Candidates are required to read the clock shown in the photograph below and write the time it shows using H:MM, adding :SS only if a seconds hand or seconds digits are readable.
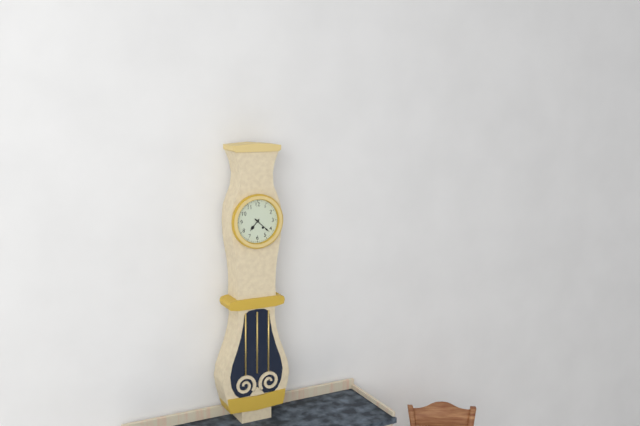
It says 7:22
